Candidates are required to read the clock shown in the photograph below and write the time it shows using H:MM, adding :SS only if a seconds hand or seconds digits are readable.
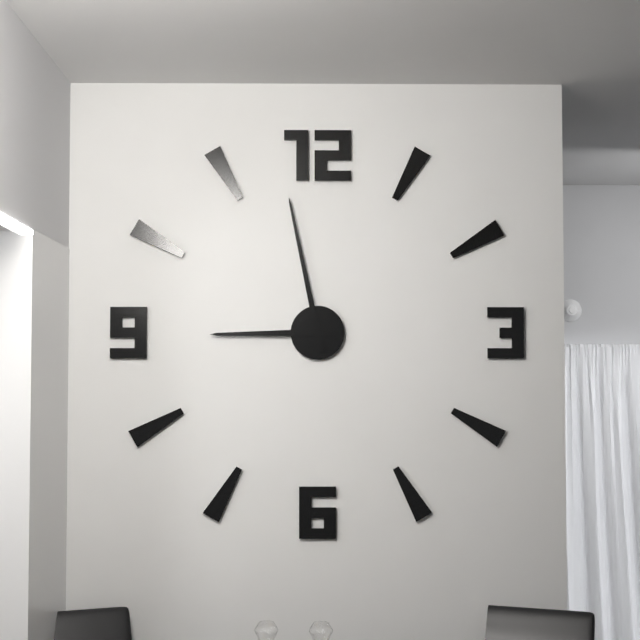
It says 8:58
